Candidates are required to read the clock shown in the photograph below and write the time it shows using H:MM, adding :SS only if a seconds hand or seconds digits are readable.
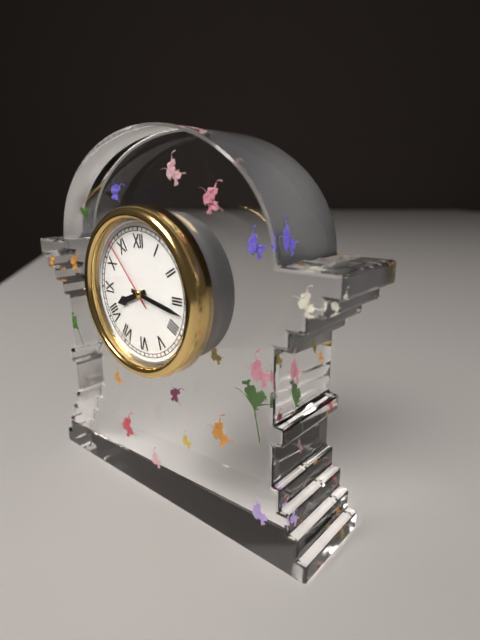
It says 8:17:53
